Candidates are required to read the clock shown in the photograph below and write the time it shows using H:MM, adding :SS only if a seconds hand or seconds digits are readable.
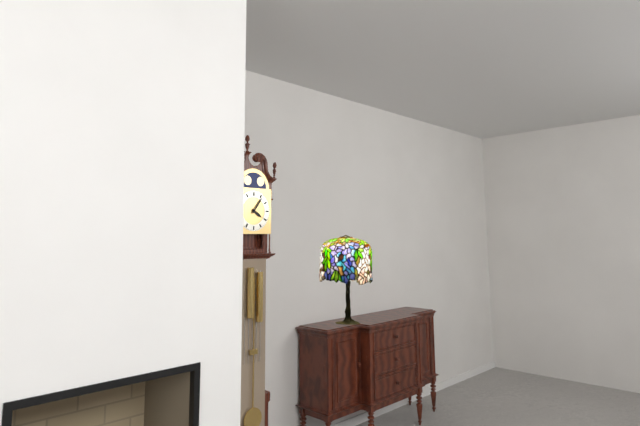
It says 4:06
